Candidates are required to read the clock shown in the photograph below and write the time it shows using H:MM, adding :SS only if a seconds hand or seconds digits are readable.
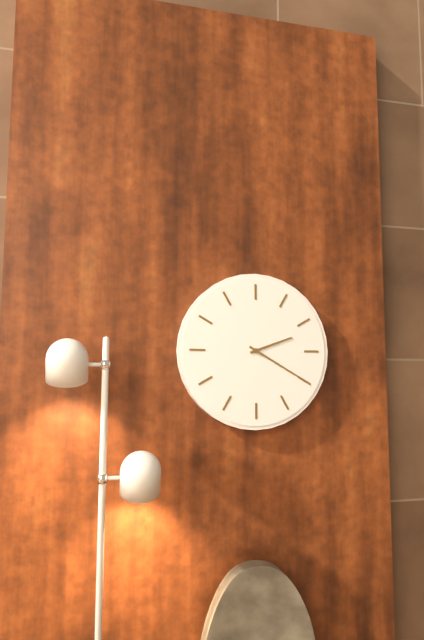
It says 2:20
